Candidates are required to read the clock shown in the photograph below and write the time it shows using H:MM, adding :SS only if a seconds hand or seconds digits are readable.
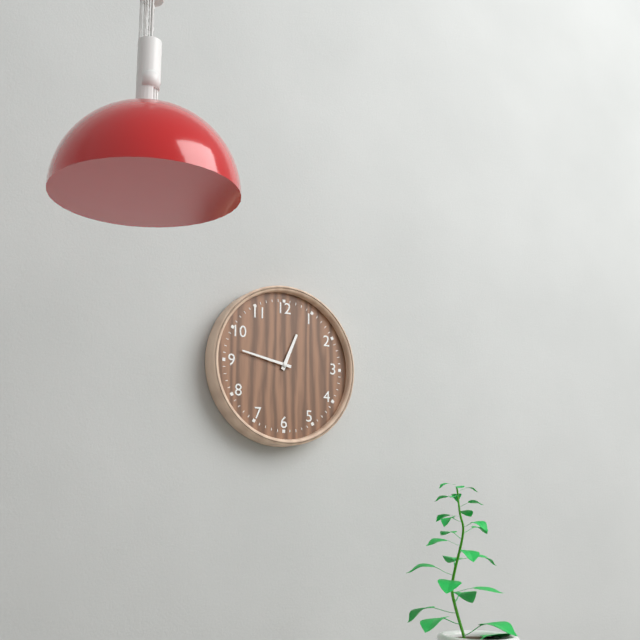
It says 12:47
